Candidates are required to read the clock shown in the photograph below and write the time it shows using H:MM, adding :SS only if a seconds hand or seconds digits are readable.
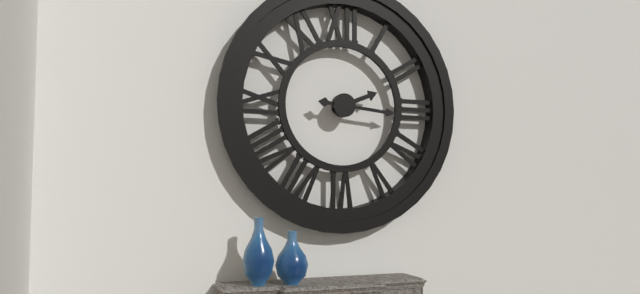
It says 2:16
